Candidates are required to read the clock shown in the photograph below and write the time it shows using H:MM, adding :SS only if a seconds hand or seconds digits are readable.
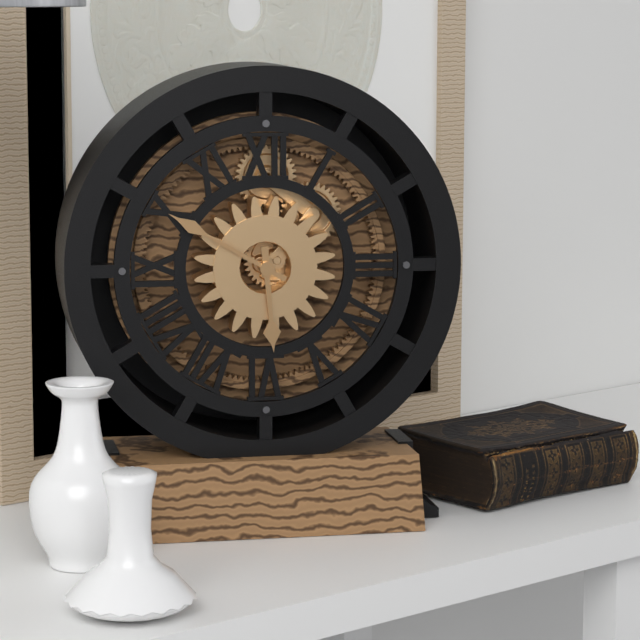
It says 5:50
